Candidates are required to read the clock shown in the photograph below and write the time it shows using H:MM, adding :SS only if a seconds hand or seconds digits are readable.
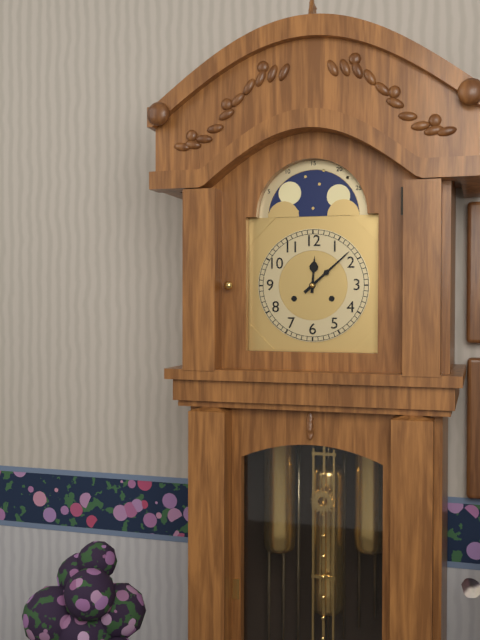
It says 12:08
